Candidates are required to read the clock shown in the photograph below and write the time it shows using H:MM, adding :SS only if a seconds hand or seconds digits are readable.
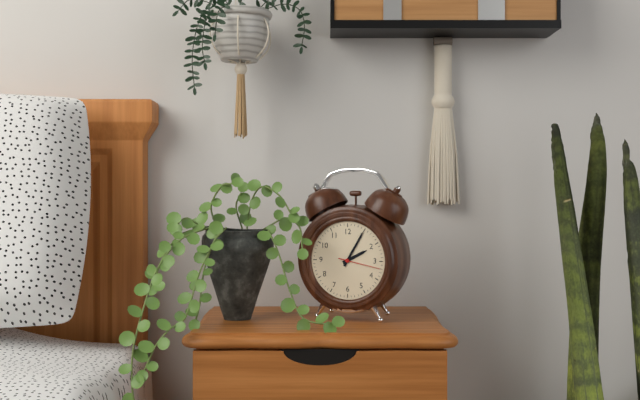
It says 2:05
